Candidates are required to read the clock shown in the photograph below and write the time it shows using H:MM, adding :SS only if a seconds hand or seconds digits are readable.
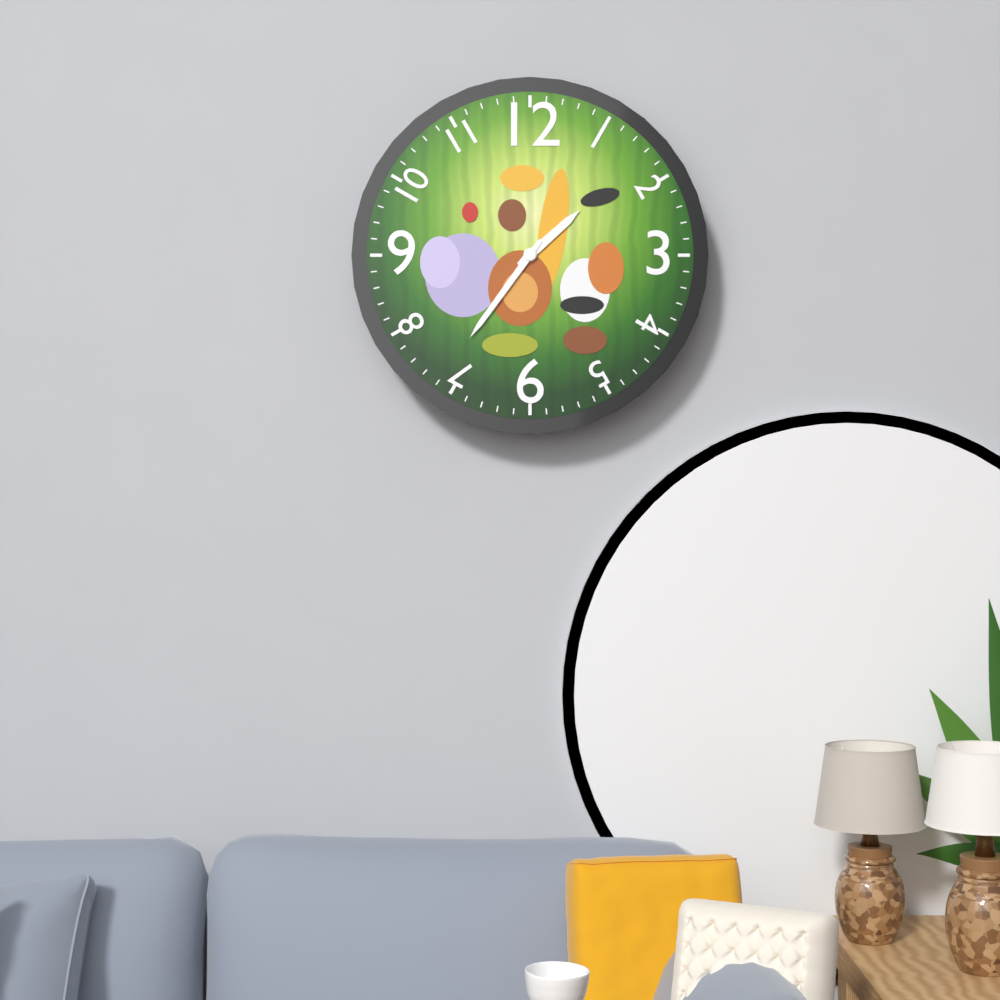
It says 1:36
